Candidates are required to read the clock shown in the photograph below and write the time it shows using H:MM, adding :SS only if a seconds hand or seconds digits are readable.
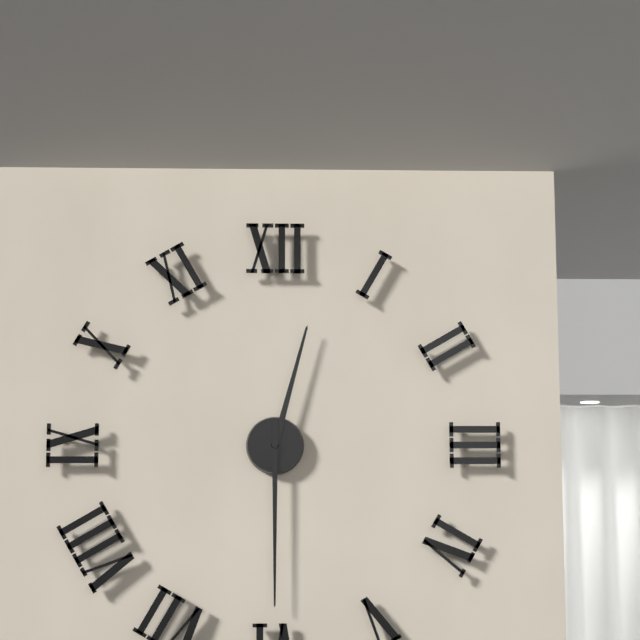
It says 12:30
